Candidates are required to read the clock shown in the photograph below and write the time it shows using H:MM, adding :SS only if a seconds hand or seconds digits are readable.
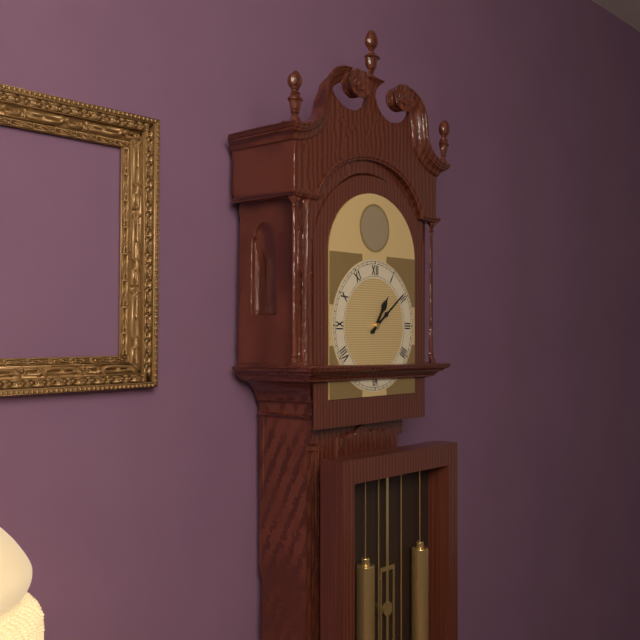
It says 1:09
